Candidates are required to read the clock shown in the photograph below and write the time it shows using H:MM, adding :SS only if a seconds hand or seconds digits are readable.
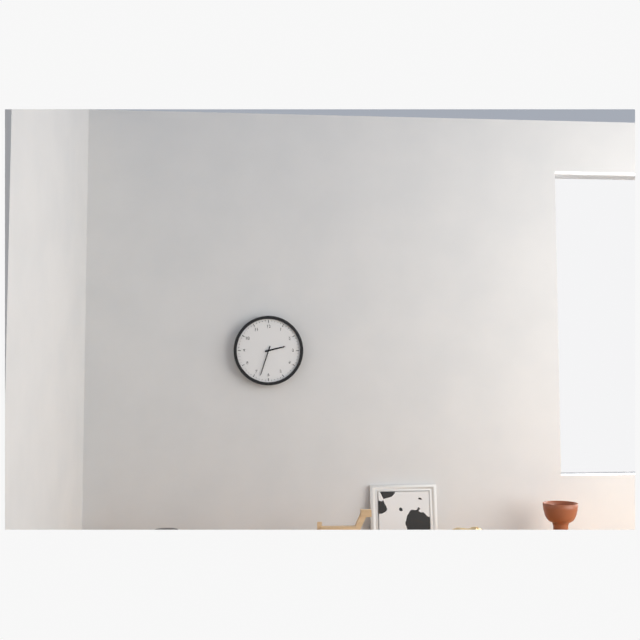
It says 2:33
